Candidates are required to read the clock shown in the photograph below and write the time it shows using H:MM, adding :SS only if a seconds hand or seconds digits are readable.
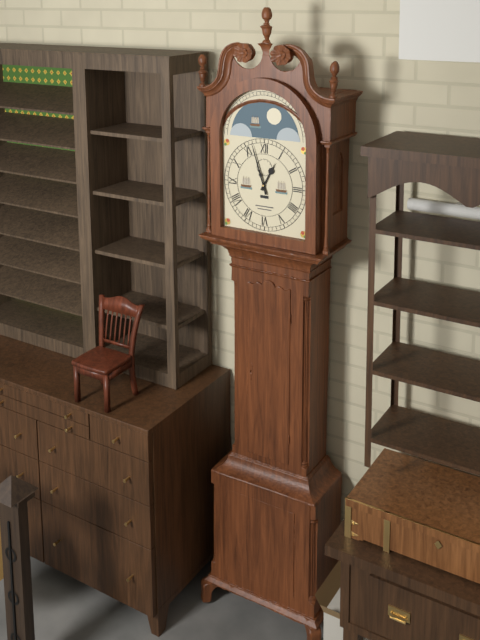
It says 12:57
